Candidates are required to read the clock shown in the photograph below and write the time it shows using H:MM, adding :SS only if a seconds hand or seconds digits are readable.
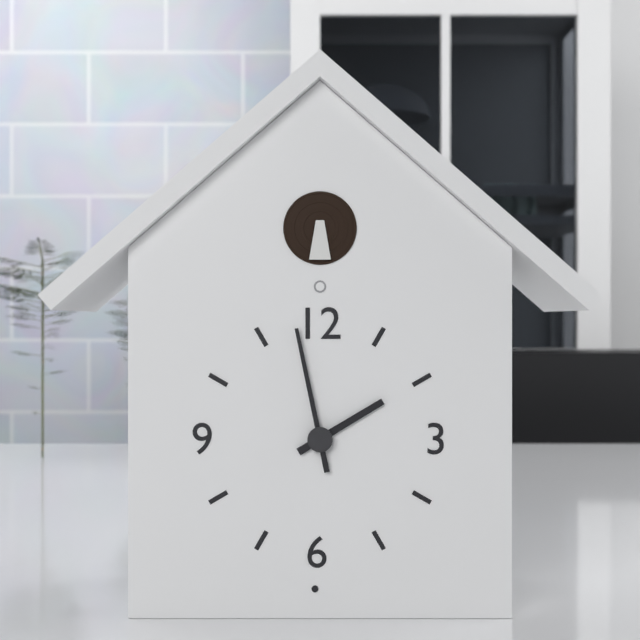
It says 1:58
